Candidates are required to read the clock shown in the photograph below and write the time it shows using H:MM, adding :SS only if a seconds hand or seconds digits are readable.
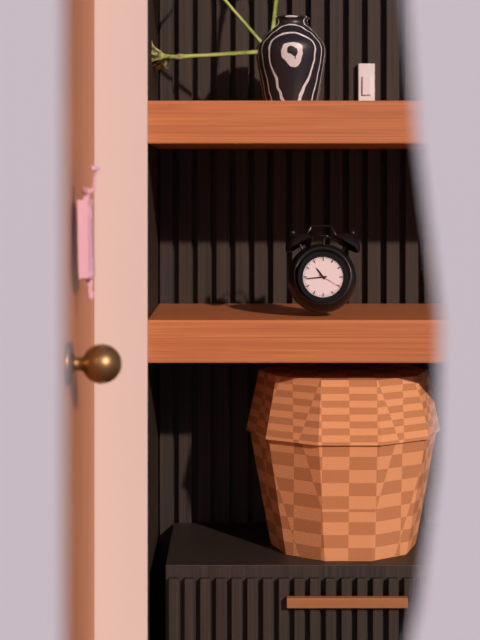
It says 10:44
